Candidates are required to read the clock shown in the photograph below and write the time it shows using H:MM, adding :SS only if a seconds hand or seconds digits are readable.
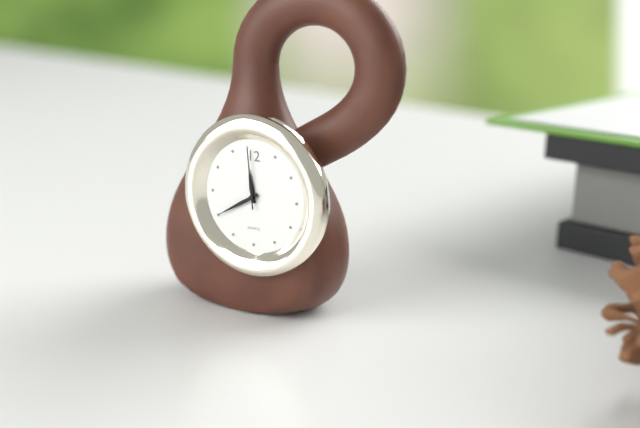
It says 11:40:59
